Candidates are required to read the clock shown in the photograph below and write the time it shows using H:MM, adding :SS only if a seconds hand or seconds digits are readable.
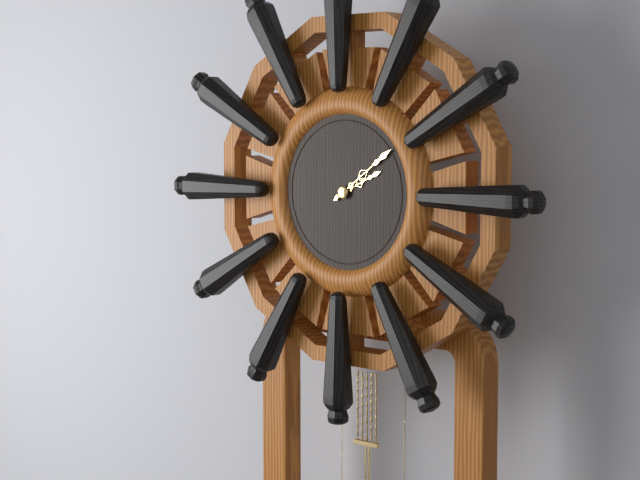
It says 2:09
